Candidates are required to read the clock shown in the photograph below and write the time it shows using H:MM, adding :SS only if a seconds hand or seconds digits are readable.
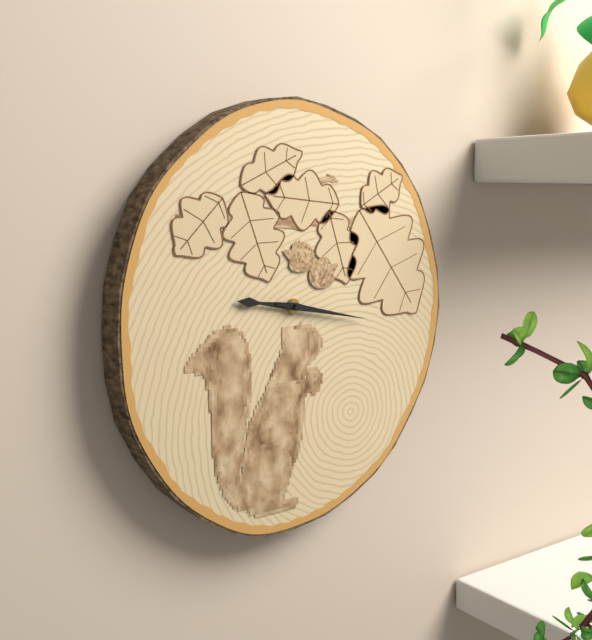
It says 9:17
